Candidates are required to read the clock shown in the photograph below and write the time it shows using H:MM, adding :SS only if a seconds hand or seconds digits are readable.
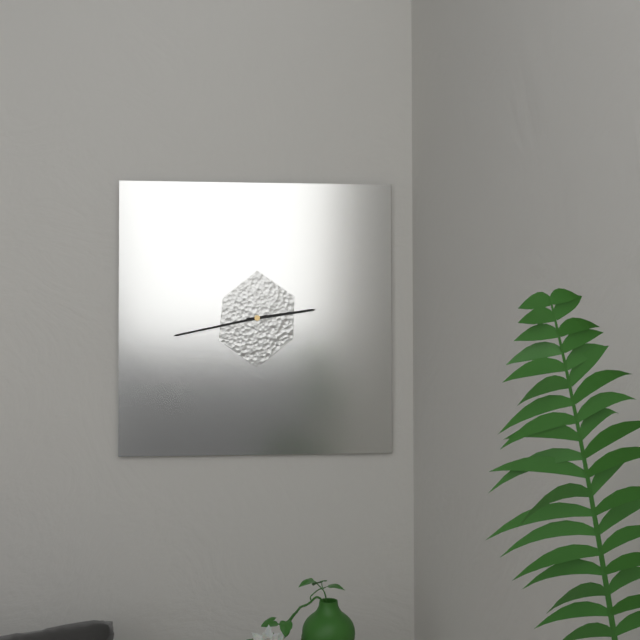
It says 2:43
